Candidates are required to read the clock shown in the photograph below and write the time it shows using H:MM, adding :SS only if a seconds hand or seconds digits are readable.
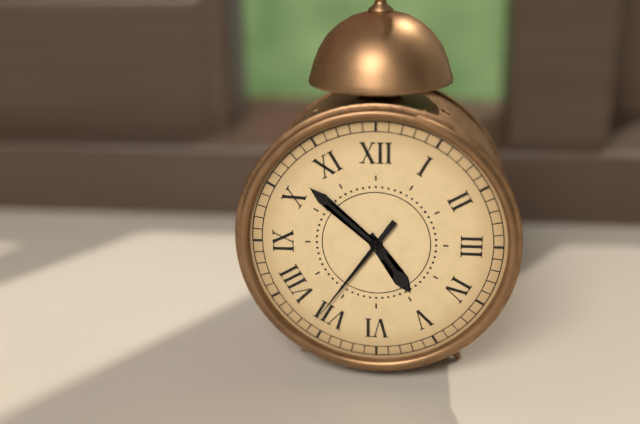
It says 4:52:36
